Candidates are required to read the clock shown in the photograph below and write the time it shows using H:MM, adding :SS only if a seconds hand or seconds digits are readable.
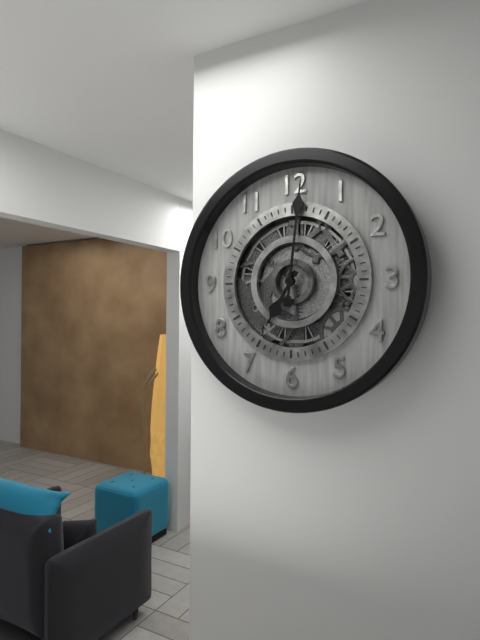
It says 7:01
